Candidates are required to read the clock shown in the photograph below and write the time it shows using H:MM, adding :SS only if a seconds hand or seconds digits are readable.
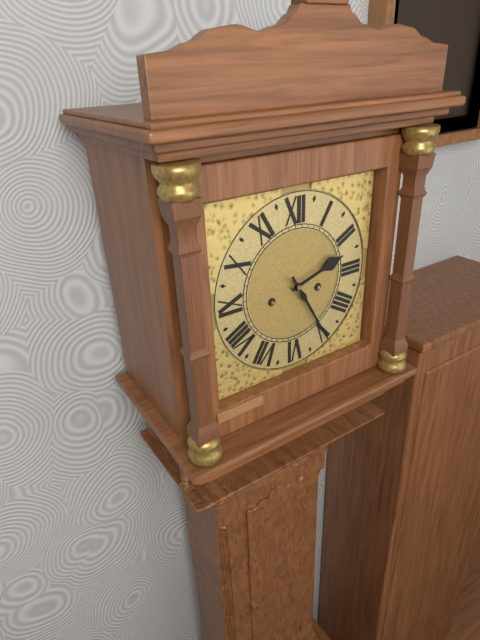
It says 2:25
